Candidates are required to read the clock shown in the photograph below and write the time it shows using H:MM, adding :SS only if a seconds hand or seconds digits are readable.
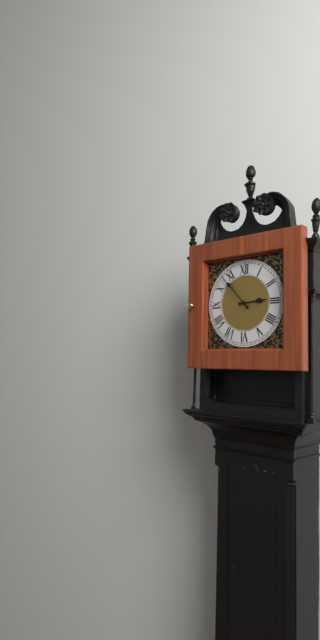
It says 2:53
